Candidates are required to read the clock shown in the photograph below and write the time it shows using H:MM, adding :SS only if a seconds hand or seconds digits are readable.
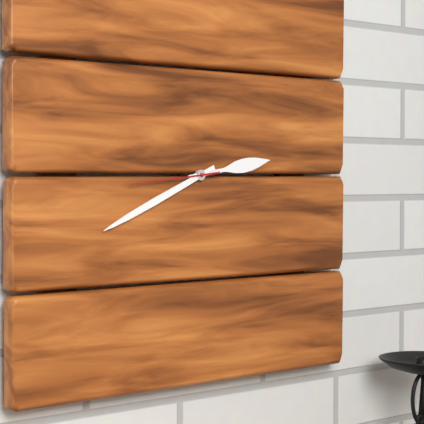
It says 2:41:44
